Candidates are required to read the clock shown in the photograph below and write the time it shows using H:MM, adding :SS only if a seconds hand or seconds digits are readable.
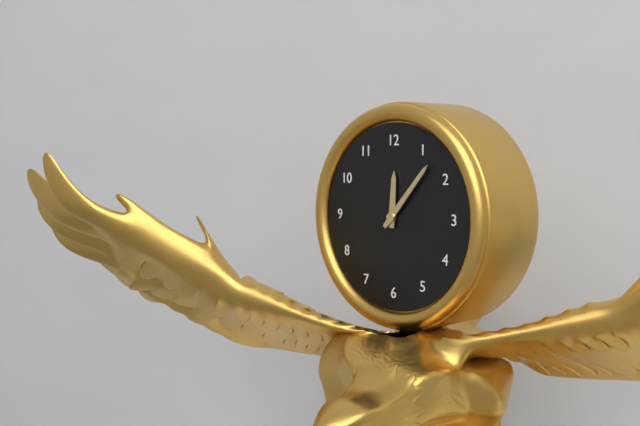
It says 12:07
